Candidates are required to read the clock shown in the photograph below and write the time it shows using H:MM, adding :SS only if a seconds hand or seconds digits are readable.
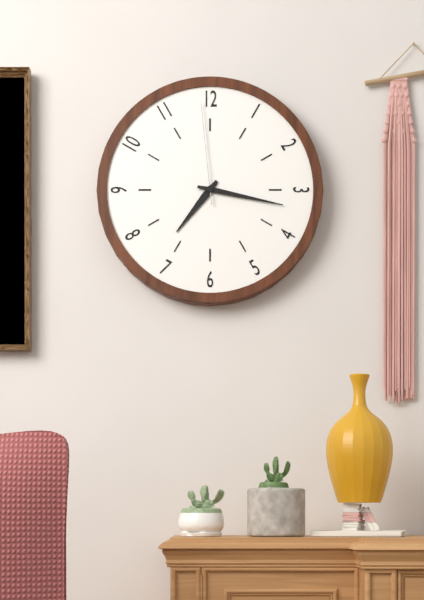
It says 7:17:59
